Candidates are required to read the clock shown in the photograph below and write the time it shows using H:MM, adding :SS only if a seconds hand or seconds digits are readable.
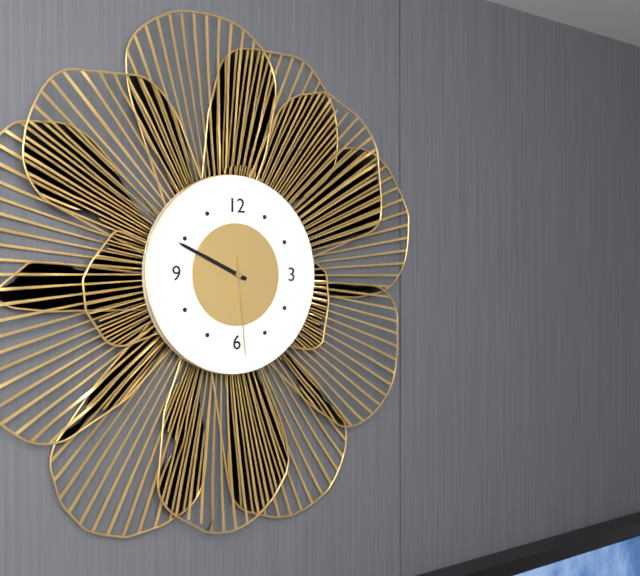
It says 9:49:29
